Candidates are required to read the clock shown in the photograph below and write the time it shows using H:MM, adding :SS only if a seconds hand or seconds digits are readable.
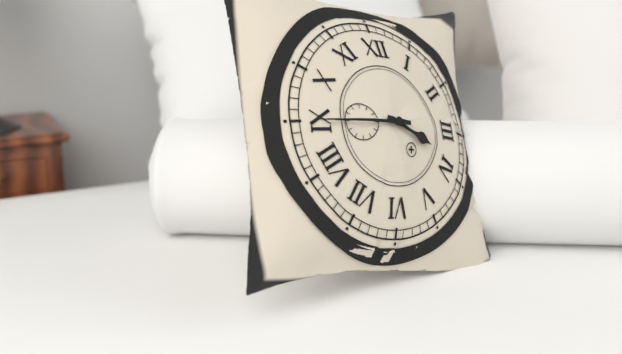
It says 3:45
